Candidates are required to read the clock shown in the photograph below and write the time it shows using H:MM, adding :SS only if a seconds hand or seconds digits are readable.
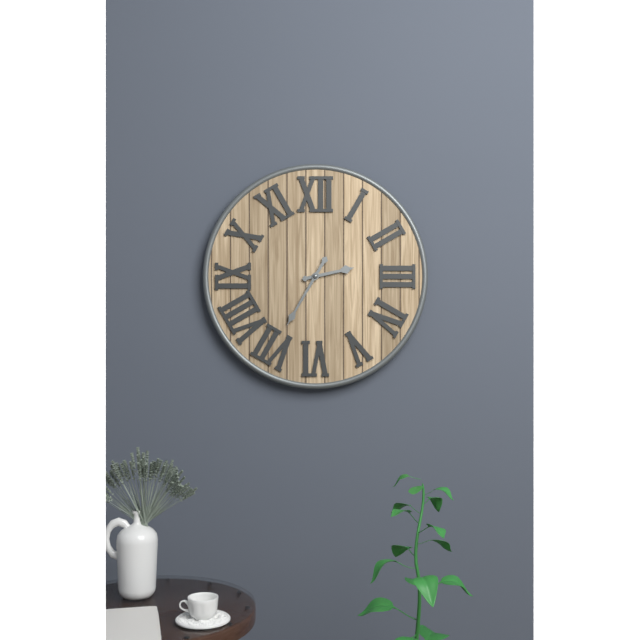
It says 2:35
